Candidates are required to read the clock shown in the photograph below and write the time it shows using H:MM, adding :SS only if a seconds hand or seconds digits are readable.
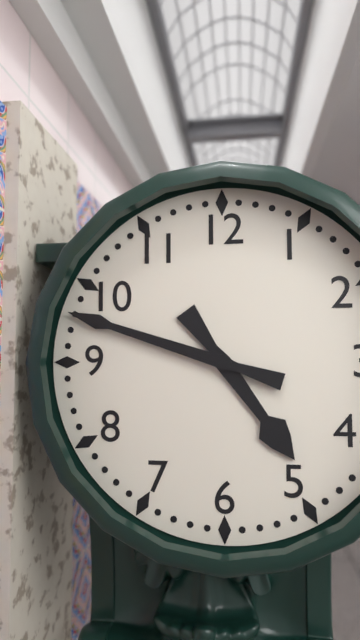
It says 4:48
